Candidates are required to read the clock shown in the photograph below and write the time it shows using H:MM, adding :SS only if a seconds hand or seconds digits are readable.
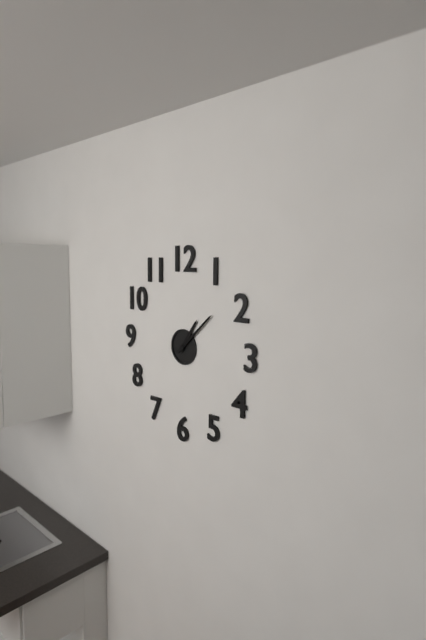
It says 1:08
